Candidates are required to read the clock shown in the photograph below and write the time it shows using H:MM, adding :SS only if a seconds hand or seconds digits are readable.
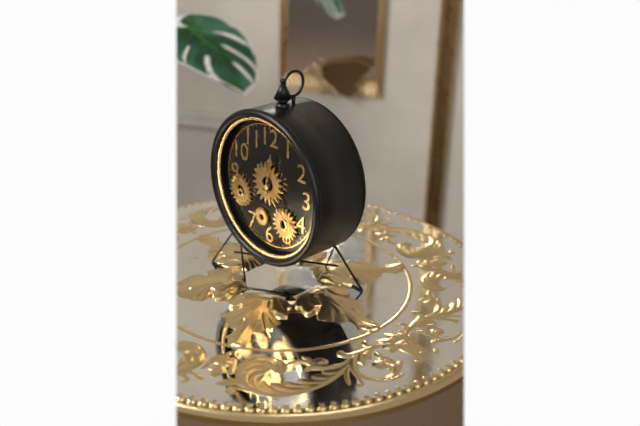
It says 12:22
